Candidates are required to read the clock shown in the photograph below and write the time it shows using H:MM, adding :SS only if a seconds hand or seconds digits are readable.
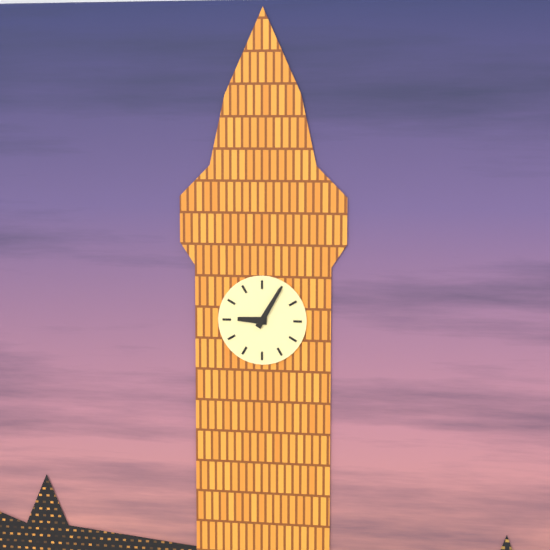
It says 9:05
